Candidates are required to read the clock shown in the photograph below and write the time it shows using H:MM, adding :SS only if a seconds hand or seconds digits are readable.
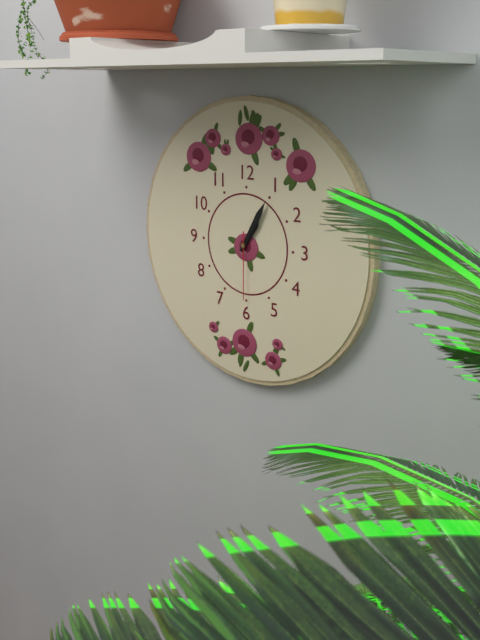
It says 1:05:30
